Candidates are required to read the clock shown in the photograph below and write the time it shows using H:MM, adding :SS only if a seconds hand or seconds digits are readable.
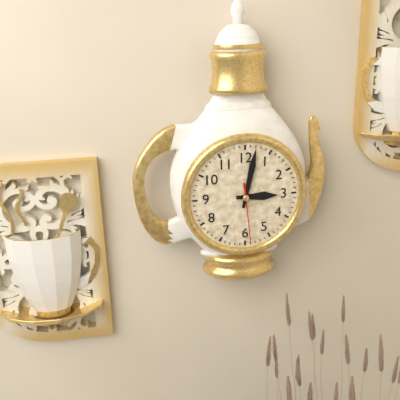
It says 3:02:29
